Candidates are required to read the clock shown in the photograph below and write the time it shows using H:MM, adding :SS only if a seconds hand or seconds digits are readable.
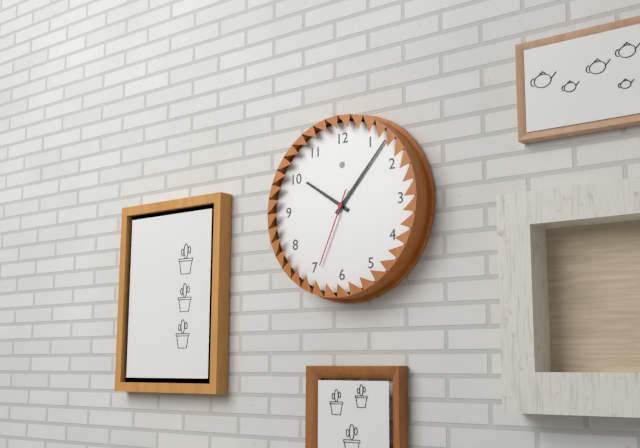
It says 10:07:34
